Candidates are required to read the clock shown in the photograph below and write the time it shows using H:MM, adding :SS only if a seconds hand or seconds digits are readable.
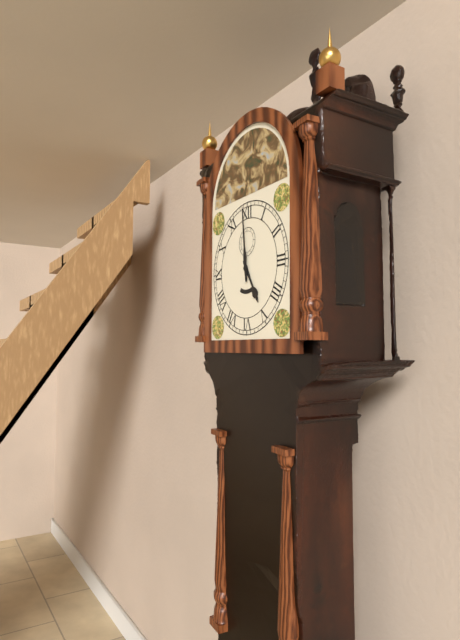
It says 4:59
